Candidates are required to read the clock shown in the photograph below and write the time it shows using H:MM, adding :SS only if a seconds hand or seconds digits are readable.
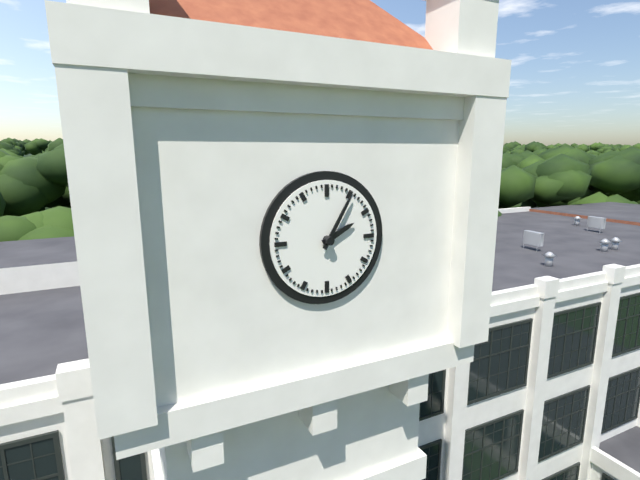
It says 2:05
